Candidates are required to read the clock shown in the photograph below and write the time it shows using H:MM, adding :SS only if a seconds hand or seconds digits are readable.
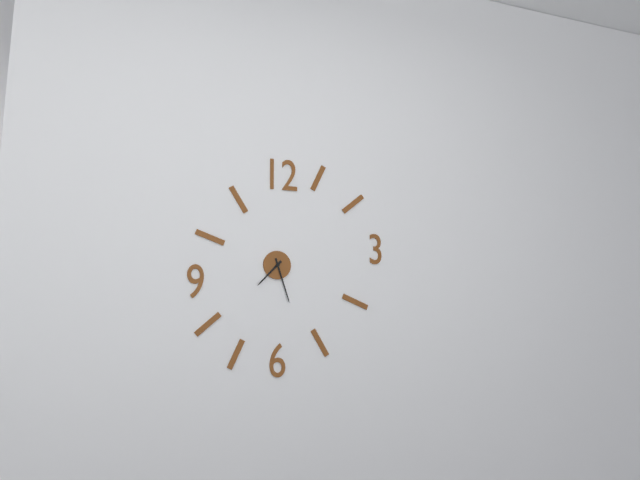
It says 7:27
